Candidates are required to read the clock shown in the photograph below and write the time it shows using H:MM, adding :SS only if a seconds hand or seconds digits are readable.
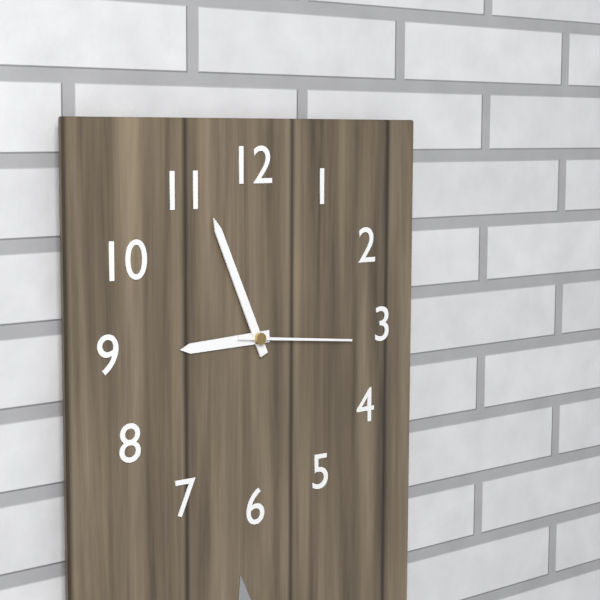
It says 8:56:16
